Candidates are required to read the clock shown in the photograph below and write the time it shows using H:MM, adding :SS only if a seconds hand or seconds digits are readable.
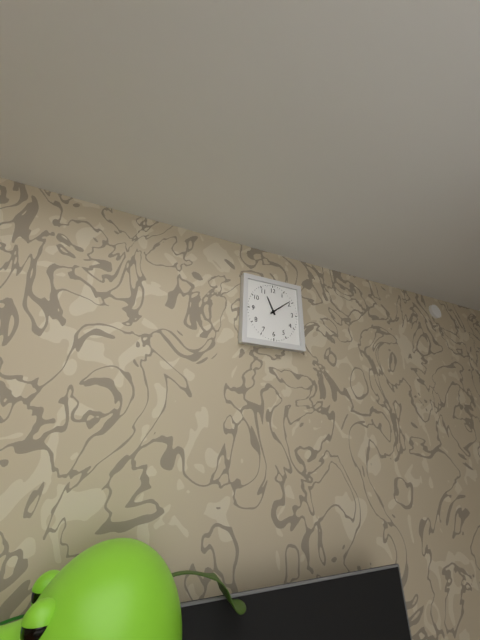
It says 11:09
